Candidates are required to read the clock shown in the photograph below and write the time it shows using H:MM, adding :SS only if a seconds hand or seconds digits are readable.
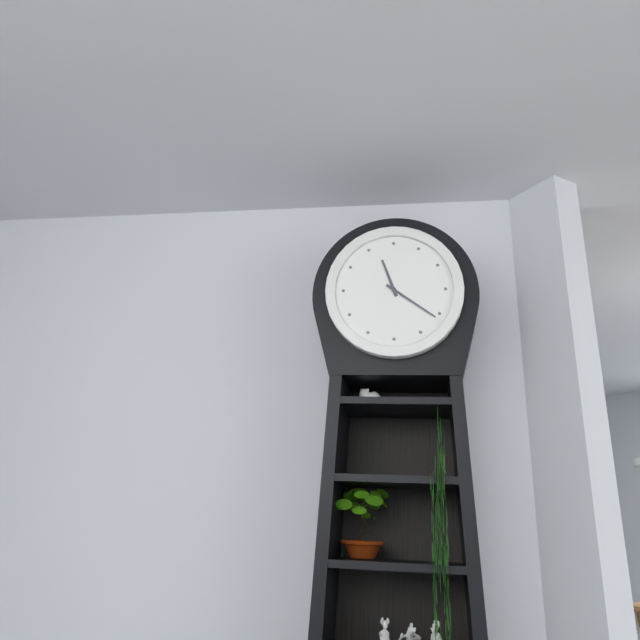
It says 11:21
